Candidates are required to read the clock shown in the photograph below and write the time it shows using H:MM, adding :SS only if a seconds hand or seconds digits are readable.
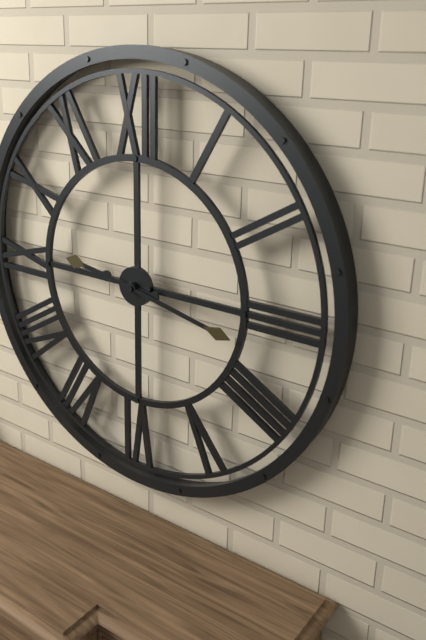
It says 9:17
